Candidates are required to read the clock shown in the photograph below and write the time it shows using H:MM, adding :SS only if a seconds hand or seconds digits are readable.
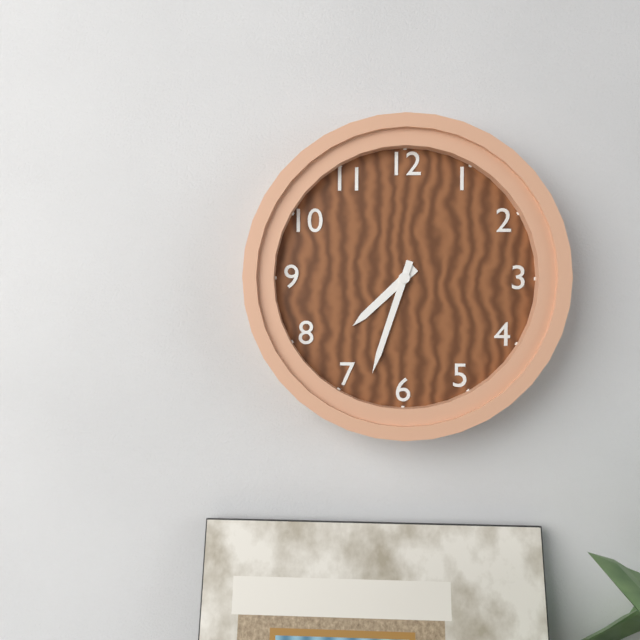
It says 7:33
